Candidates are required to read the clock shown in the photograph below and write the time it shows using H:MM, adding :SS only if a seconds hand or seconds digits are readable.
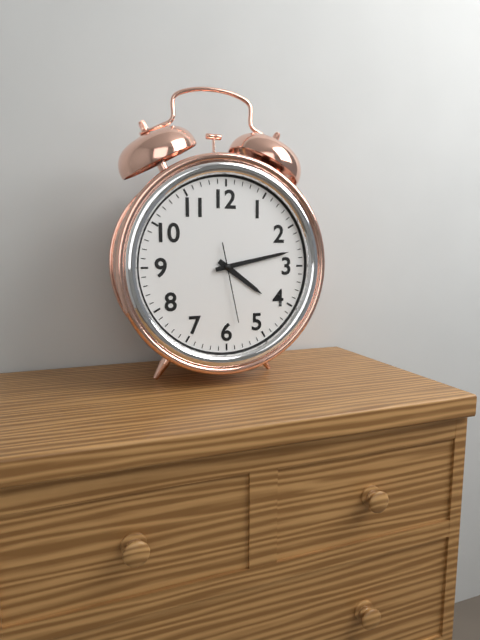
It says 4:13:28
